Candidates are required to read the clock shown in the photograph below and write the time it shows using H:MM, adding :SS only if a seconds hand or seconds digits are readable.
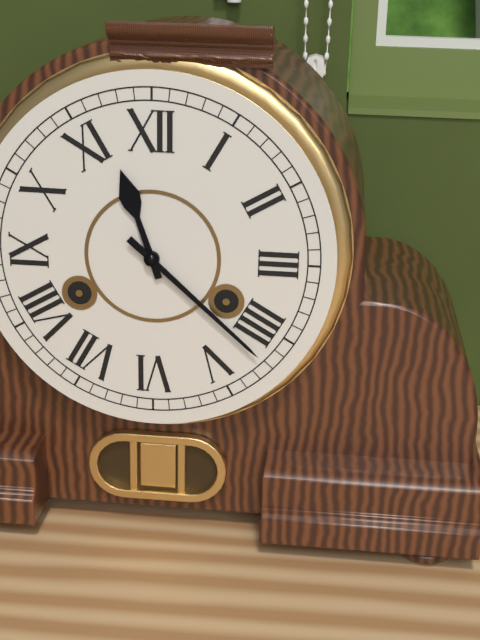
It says 11:22
